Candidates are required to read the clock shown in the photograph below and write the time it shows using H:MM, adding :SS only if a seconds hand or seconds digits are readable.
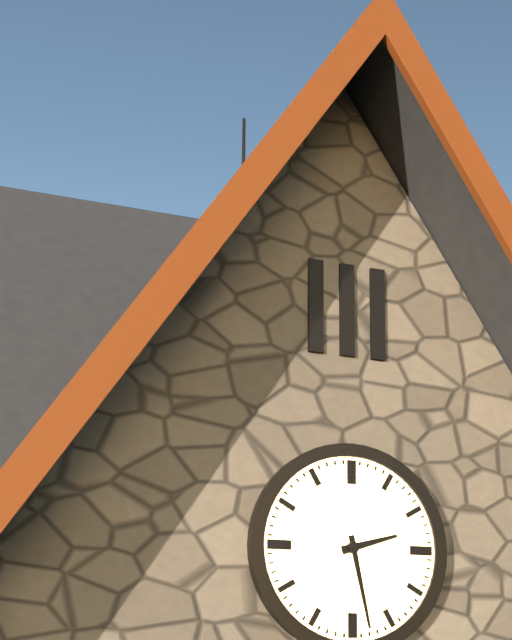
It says 2:28
